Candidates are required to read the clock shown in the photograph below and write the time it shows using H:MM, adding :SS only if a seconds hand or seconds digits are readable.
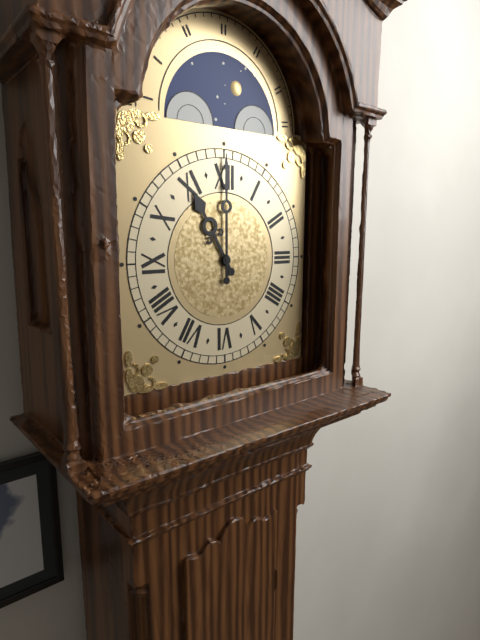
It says 11:00
